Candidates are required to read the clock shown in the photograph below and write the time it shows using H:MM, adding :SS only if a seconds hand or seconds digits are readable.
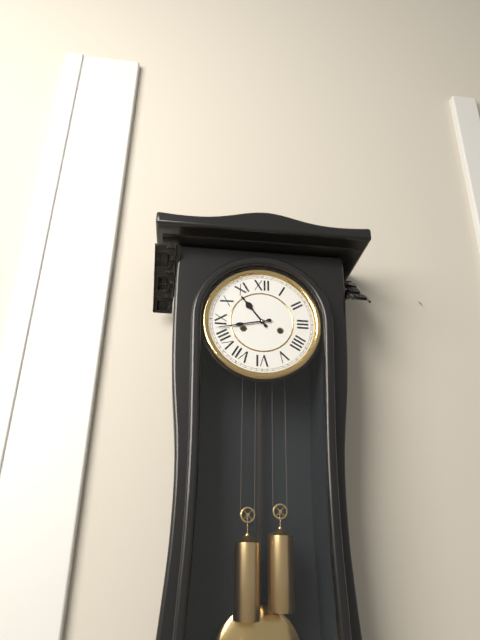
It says 10:43
